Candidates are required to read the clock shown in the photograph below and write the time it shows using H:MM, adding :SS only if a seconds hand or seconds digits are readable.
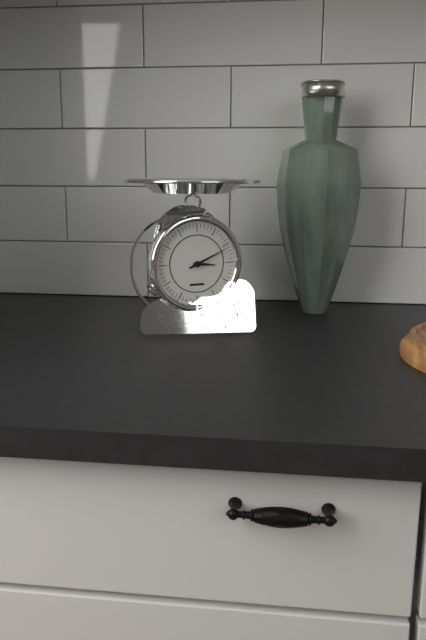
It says 3:11
